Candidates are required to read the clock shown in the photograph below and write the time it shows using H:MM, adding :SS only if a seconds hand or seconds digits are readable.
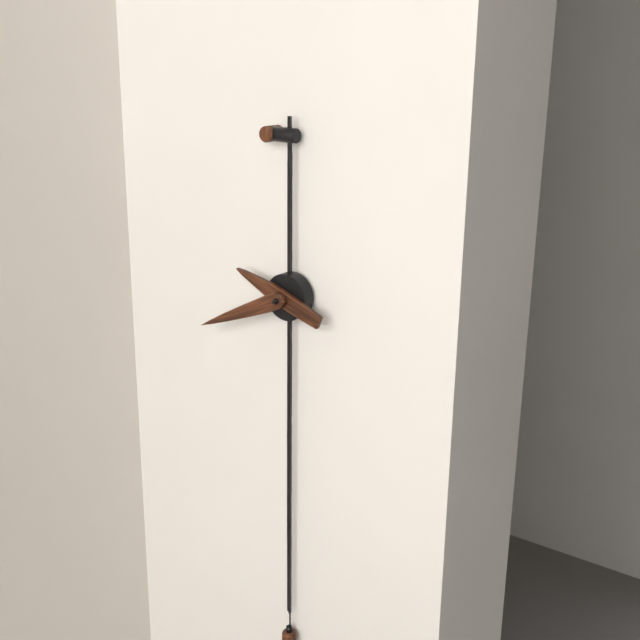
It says 9:41
